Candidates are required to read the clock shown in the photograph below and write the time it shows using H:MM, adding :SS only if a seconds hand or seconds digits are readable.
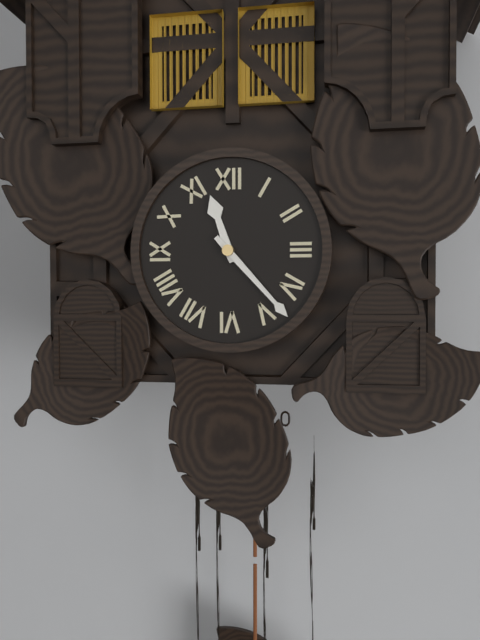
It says 11:23
